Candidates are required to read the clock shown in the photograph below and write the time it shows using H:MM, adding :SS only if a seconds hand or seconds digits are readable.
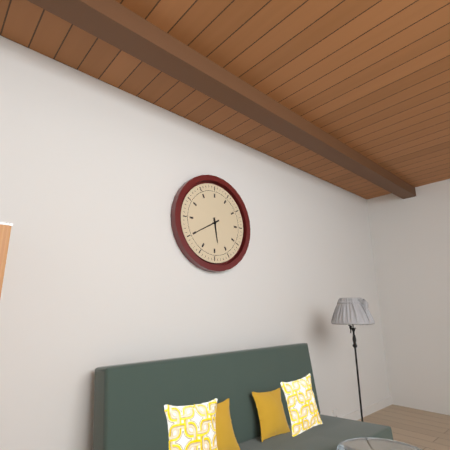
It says 5:40
